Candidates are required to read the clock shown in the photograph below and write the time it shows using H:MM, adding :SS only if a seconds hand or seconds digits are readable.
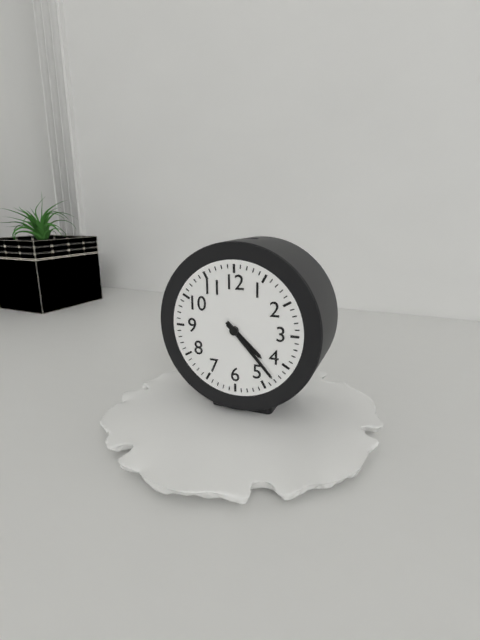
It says 4:23
